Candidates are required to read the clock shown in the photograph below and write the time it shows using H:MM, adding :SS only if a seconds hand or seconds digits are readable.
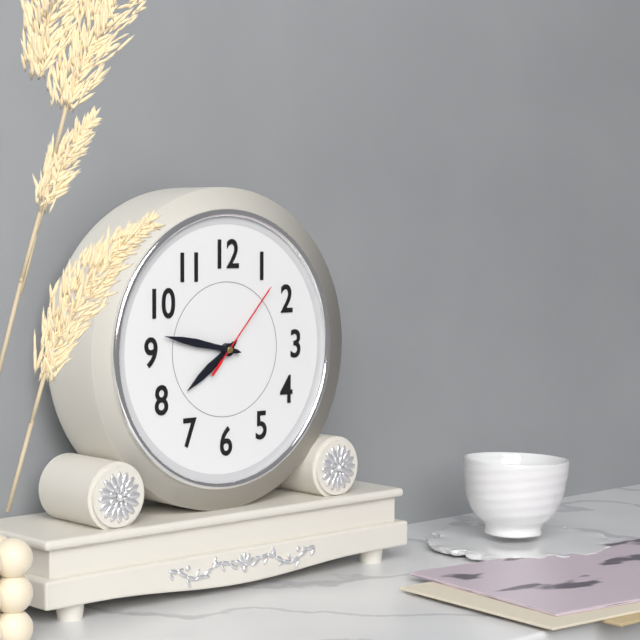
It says 7:47:07
